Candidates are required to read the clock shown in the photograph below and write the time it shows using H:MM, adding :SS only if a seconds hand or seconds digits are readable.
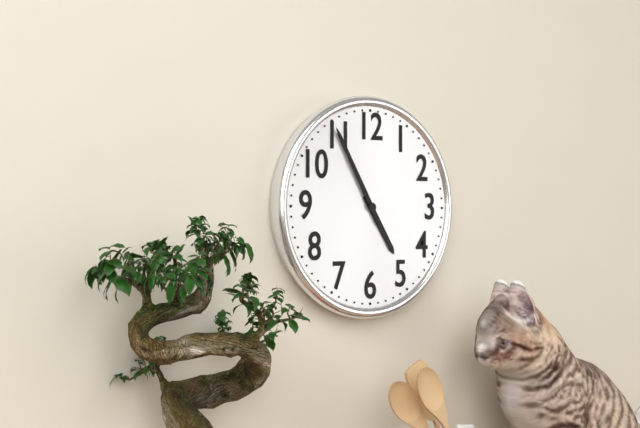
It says 4:55
